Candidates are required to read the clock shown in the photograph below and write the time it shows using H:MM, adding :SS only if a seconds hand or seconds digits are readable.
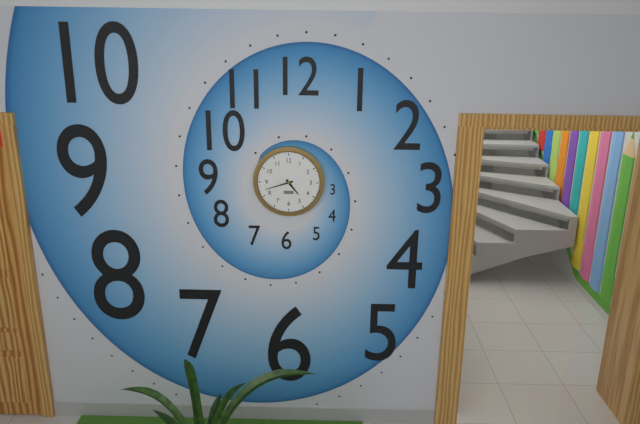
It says 4:42
